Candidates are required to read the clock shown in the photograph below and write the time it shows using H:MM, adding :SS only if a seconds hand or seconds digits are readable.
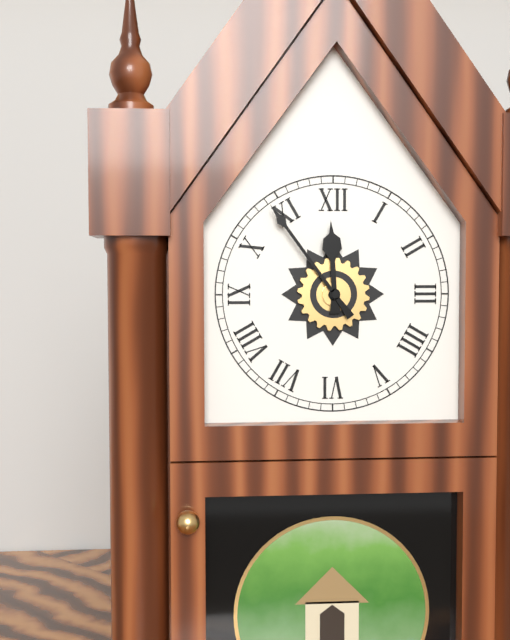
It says 11:54
